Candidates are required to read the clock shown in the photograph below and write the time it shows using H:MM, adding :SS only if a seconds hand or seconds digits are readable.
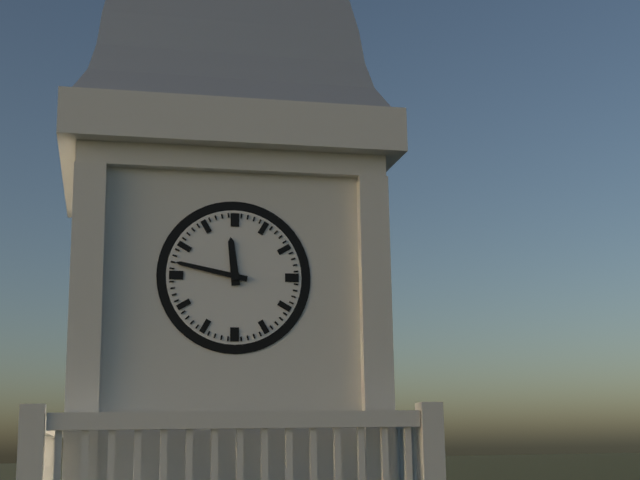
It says 11:47
